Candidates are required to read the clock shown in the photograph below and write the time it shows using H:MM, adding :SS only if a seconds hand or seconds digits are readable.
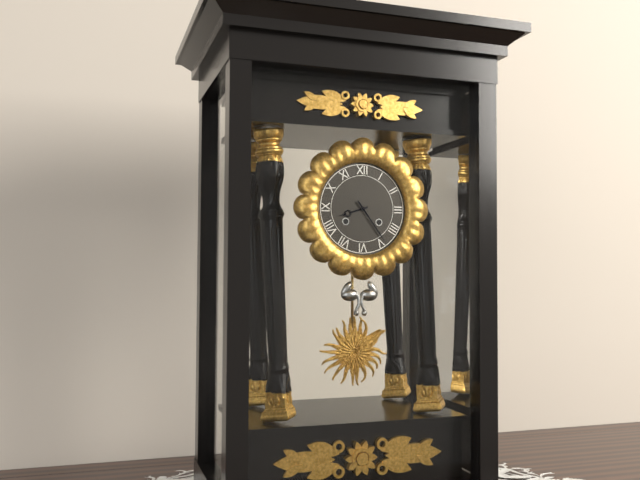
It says 8:24
